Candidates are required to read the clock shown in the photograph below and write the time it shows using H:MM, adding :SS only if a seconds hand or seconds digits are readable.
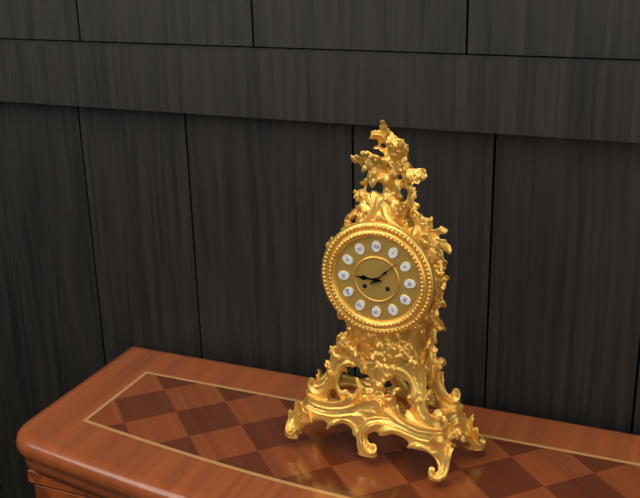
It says 9:08
